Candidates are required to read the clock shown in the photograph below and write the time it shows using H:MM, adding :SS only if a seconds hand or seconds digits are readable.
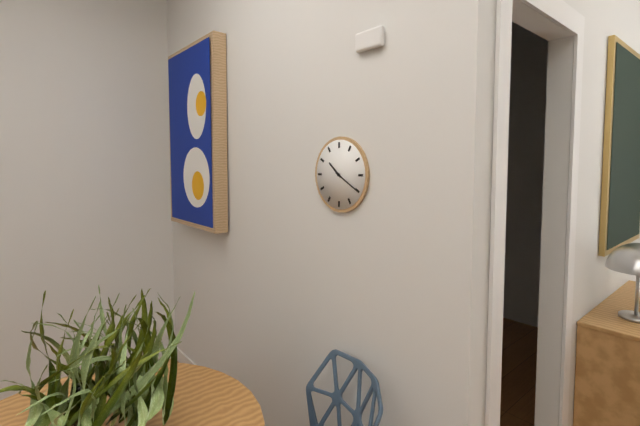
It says 10:20
